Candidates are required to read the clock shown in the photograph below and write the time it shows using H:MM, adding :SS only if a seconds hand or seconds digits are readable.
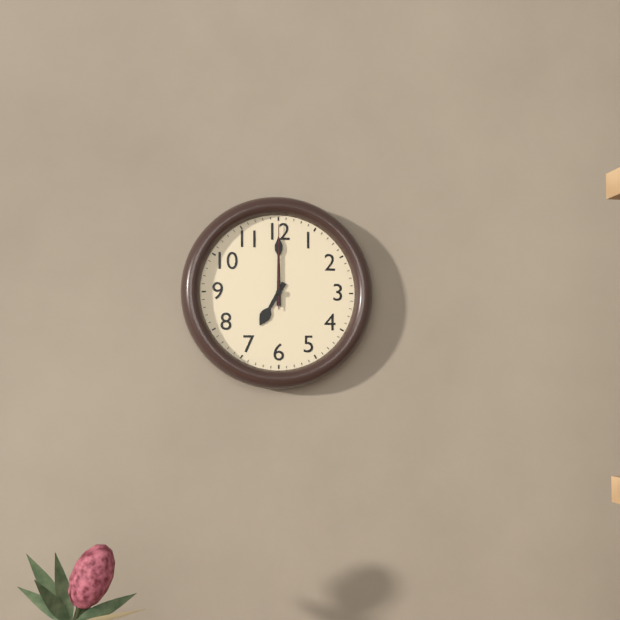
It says 7:00:00
